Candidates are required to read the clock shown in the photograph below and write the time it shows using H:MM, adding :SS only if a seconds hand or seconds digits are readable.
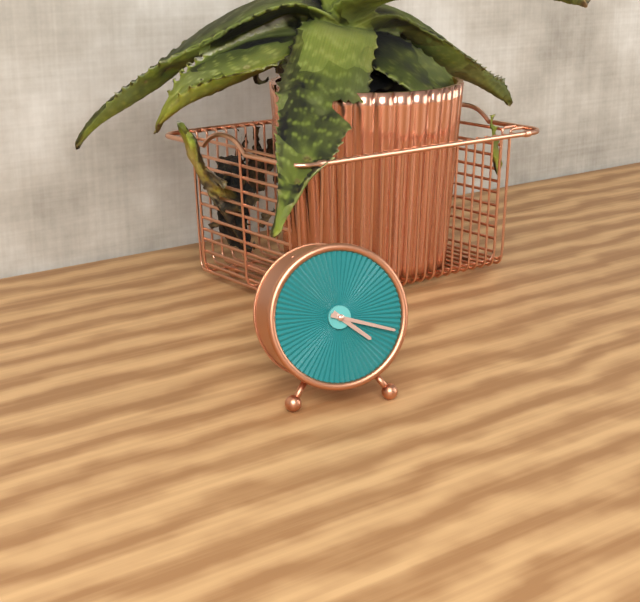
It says 4:18
